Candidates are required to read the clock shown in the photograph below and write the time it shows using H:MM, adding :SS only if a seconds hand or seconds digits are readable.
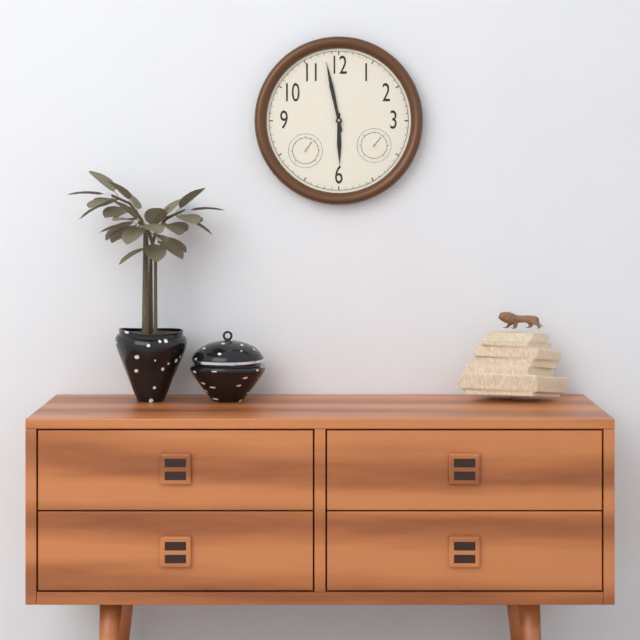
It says 5:58
